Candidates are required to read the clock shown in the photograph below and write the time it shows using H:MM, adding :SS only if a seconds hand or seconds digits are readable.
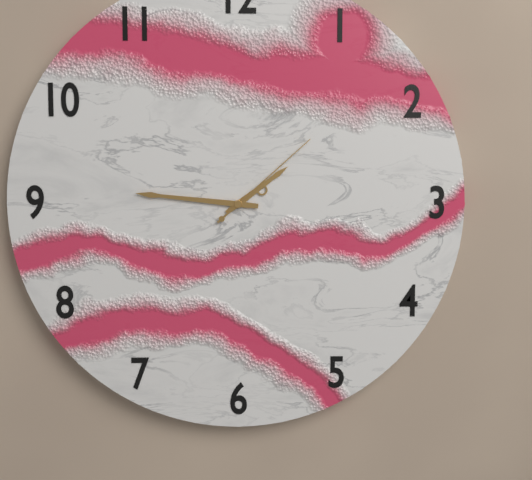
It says 1:46:08
